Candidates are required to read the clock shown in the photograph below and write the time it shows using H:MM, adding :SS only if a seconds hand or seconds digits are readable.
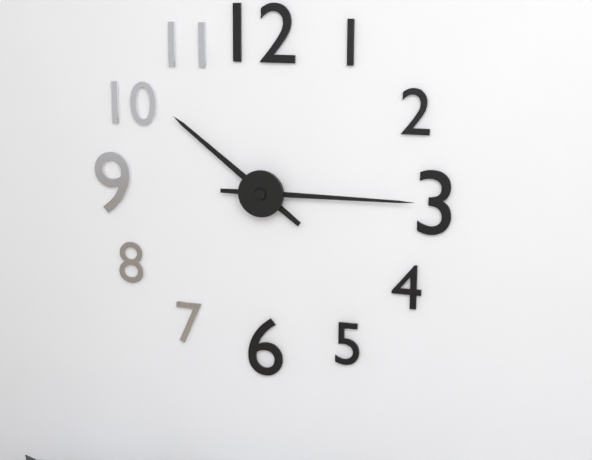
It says 10:15
